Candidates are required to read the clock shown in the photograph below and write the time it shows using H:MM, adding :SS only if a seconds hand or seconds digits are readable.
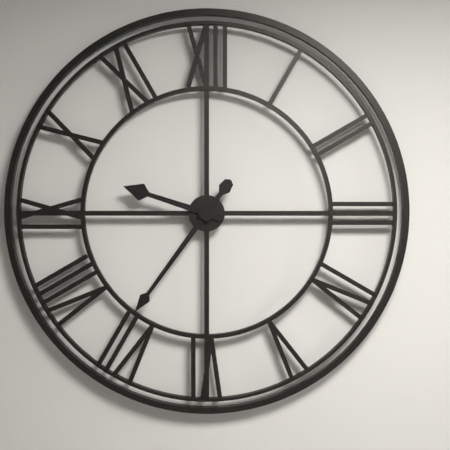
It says 9:36
